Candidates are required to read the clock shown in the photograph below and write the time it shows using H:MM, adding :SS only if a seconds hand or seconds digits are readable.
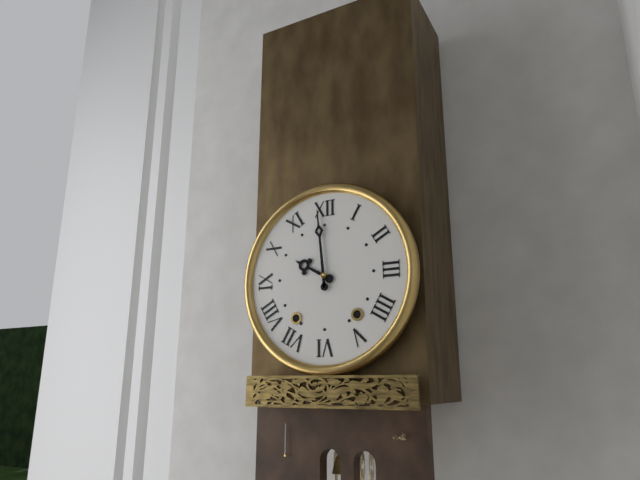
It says 9:59
